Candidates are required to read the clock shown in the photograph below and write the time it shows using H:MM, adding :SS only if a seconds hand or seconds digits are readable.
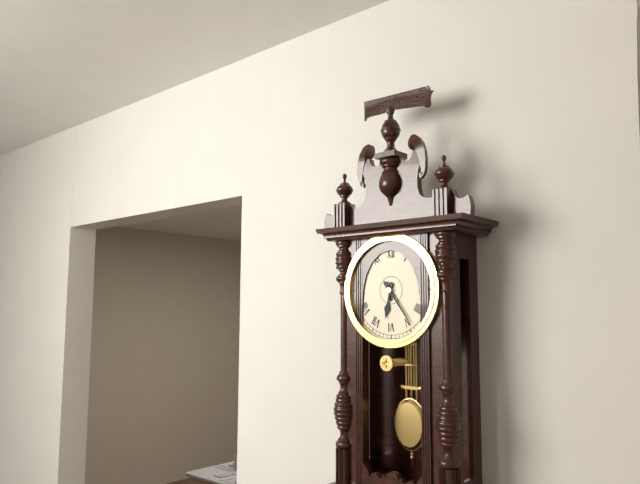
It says 6:24
